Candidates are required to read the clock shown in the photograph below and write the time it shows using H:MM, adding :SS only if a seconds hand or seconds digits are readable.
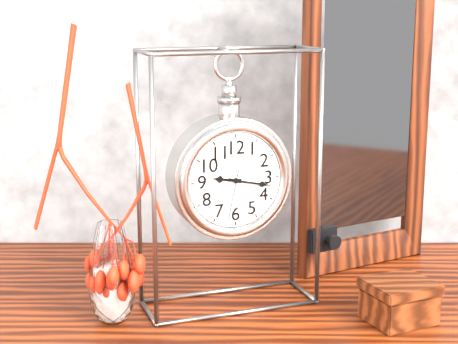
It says 9:17:32
